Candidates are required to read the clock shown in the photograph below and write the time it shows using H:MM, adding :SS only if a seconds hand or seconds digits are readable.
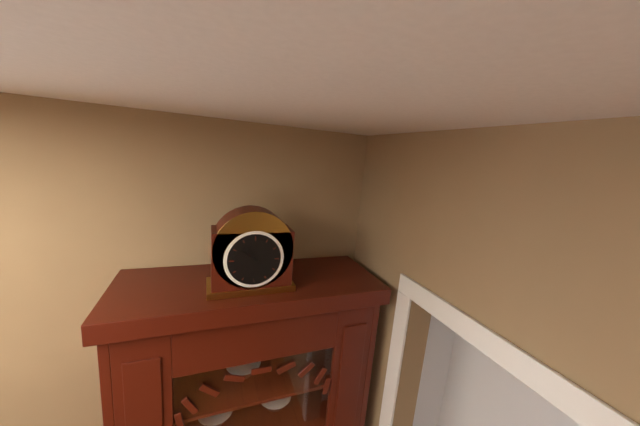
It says 10:51
